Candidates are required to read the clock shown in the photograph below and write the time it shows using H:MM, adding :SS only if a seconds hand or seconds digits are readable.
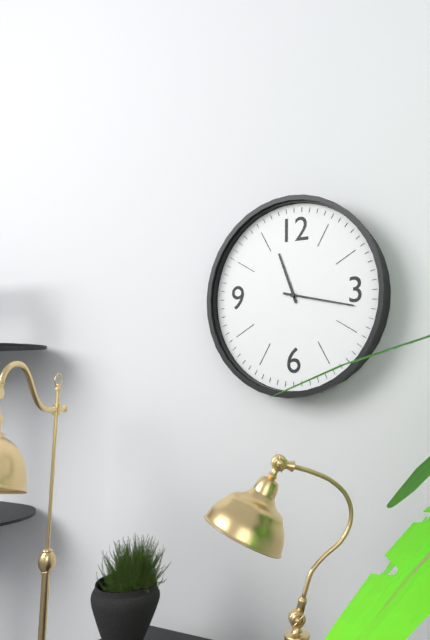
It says 11:17
